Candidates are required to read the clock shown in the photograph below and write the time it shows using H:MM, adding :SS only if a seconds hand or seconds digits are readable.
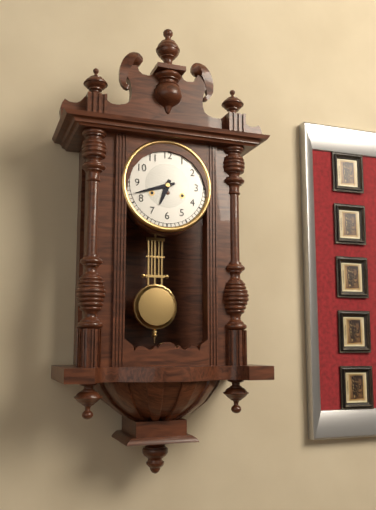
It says 6:42
